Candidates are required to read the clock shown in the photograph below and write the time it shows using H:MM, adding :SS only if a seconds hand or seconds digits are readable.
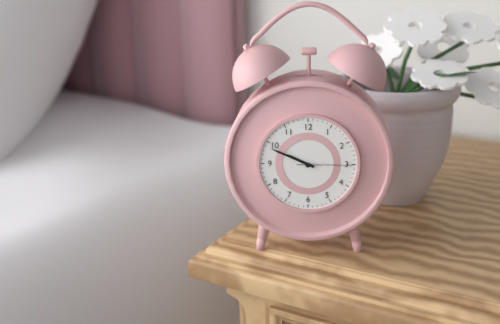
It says 9:49:15
